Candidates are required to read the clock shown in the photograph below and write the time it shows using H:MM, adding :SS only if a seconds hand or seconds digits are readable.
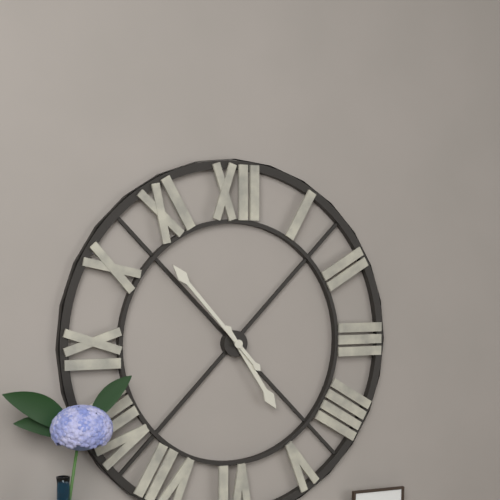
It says 4:53
